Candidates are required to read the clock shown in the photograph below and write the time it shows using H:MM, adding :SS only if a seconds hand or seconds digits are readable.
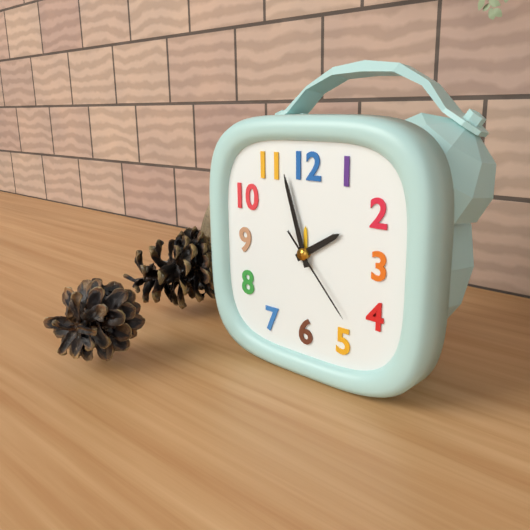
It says 1:57:23
